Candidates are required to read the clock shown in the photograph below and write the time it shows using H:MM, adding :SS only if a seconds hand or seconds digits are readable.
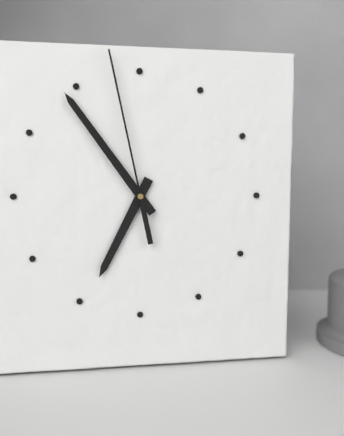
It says 6:54:58
